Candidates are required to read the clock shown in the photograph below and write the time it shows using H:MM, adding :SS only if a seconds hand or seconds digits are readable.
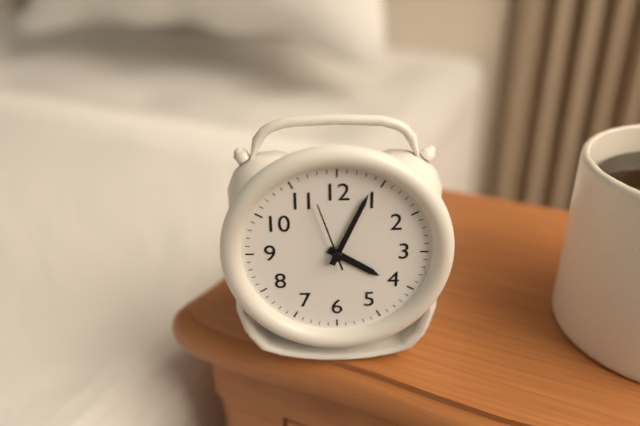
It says 4:04:57
